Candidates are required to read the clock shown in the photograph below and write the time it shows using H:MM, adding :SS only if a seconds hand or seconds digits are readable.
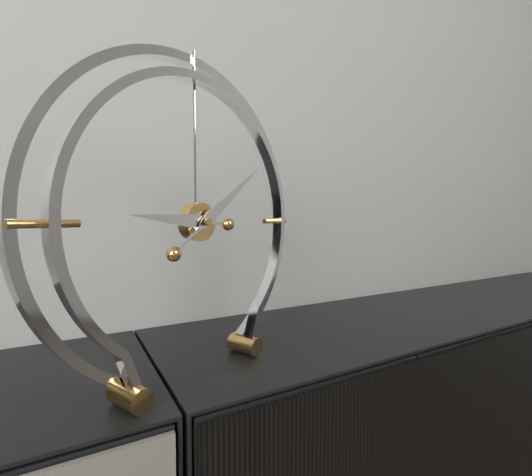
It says 9:09
